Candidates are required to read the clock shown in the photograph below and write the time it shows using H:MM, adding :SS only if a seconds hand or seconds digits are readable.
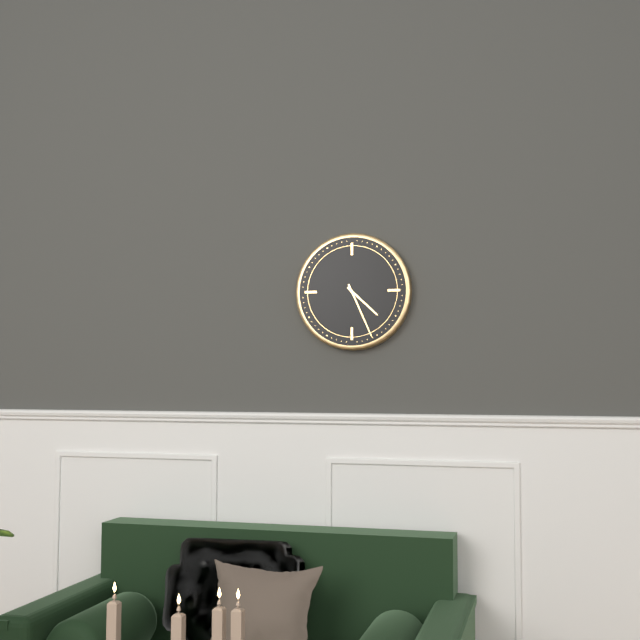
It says 4:26
